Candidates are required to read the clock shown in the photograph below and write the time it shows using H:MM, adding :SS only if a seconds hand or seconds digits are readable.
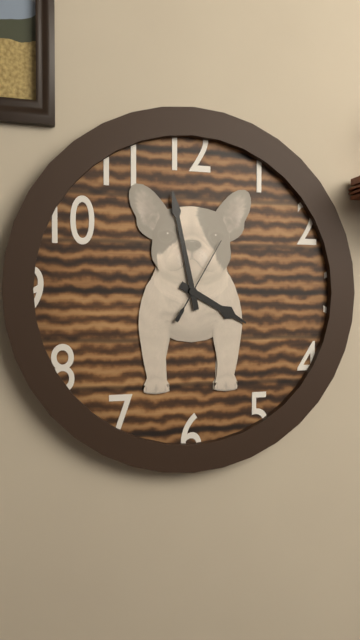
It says 3:58:05
